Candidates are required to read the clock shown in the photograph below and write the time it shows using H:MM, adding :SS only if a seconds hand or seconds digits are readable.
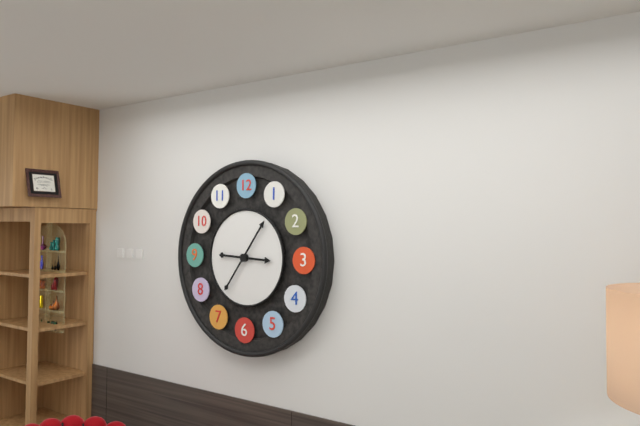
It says 3:06
